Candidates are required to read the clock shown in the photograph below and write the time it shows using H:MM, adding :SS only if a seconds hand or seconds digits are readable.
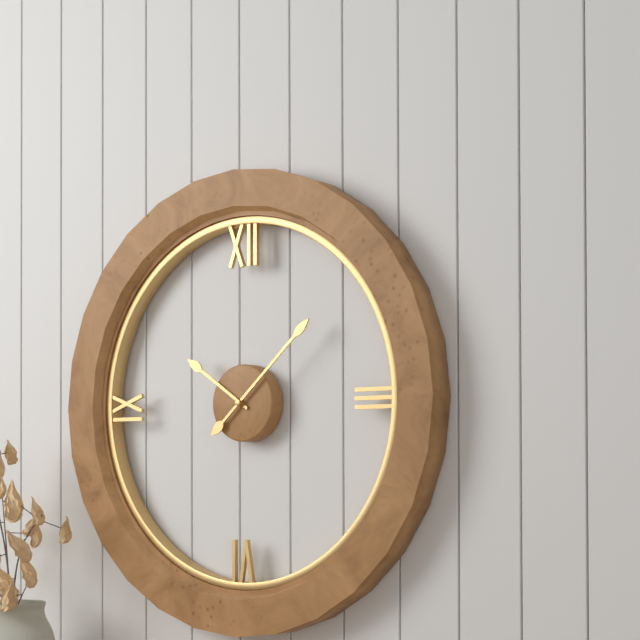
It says 10:08
